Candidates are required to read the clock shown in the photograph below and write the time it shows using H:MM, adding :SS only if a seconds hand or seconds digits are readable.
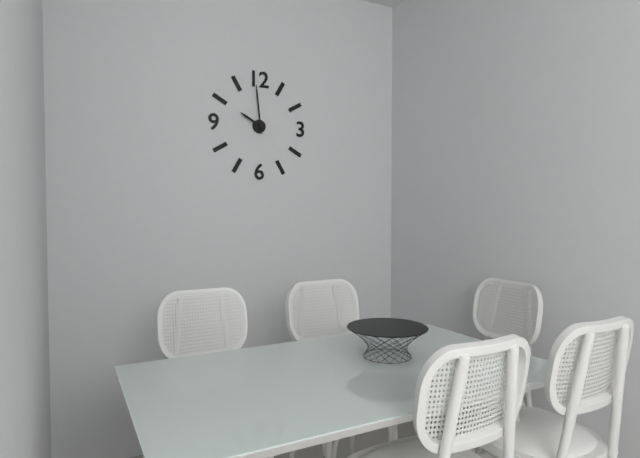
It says 9:59
